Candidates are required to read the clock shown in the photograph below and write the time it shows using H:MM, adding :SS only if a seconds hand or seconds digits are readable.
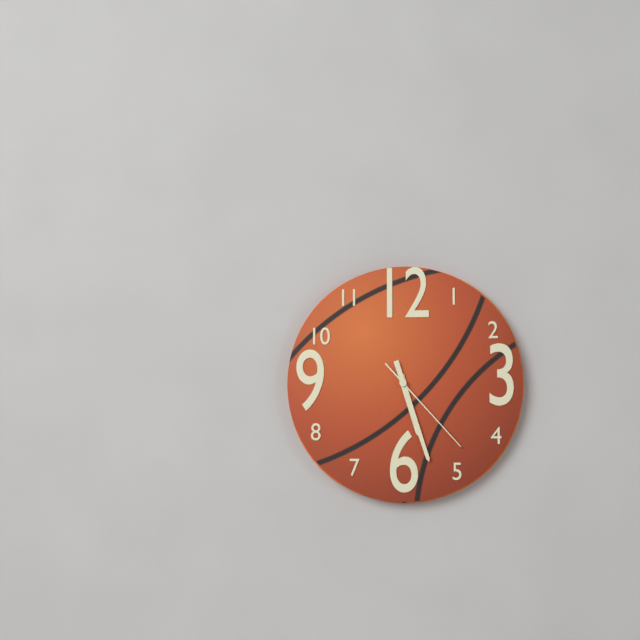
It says 5:27:23
